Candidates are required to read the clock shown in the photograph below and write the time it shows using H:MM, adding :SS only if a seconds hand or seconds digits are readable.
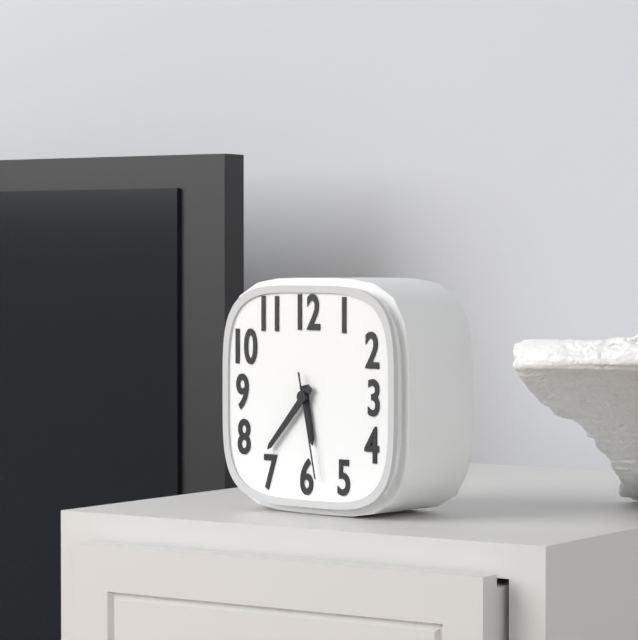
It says 5:37:28
